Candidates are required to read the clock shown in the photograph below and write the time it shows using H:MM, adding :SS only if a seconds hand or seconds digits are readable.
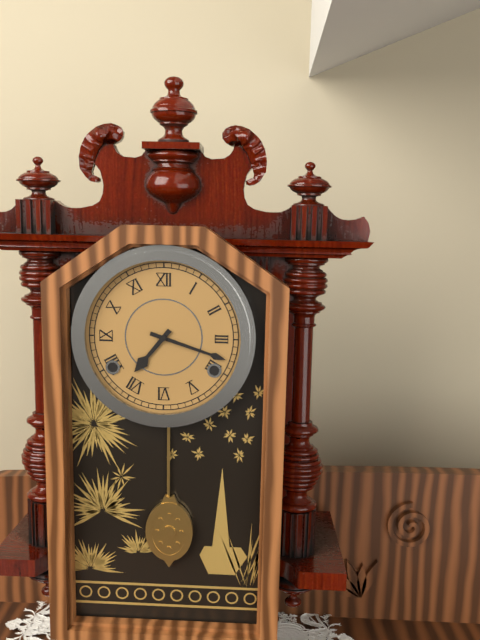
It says 7:18
